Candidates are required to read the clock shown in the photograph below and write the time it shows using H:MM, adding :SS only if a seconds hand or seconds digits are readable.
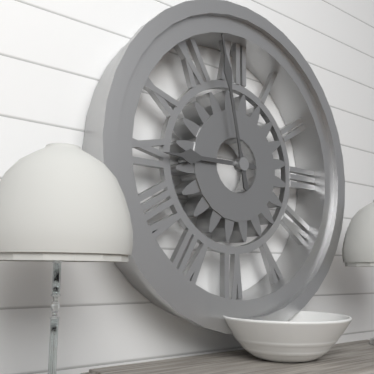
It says 8:58
